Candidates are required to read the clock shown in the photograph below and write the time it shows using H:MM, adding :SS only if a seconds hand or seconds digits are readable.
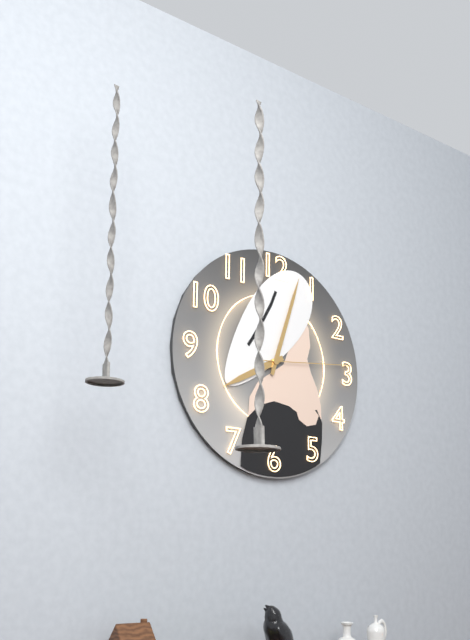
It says 8:03:14
